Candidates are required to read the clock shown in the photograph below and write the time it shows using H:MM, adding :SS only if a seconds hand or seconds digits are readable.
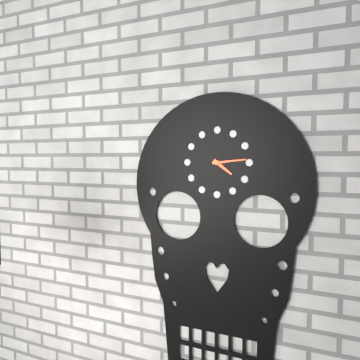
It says 4:14
